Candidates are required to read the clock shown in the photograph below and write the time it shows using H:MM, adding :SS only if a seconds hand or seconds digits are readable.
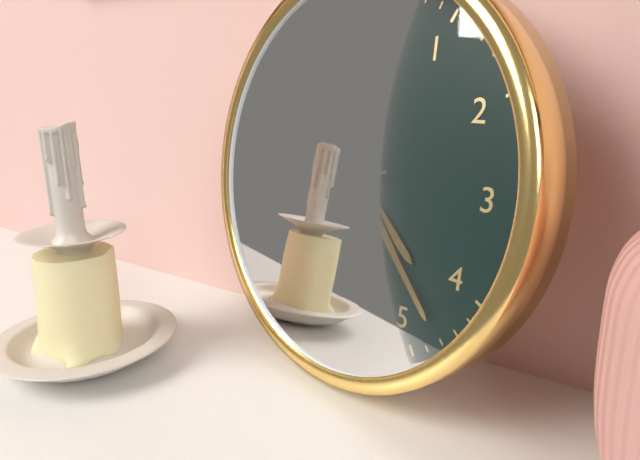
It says 4:23:42
